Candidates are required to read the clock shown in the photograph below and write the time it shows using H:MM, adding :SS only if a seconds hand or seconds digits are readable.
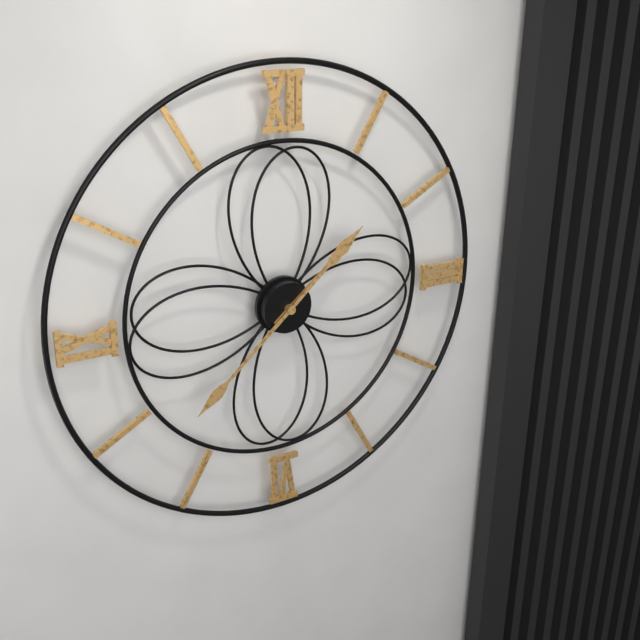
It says 1:38
